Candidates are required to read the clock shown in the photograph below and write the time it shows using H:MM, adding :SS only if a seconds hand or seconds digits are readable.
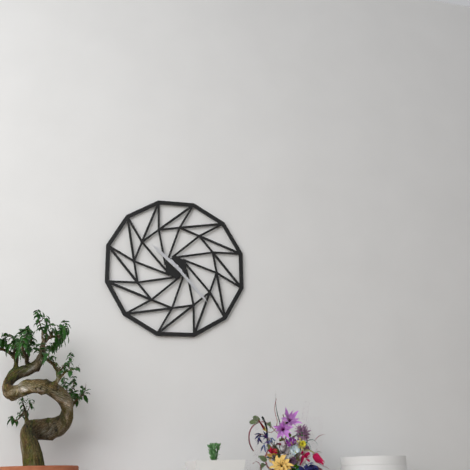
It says 10:23
